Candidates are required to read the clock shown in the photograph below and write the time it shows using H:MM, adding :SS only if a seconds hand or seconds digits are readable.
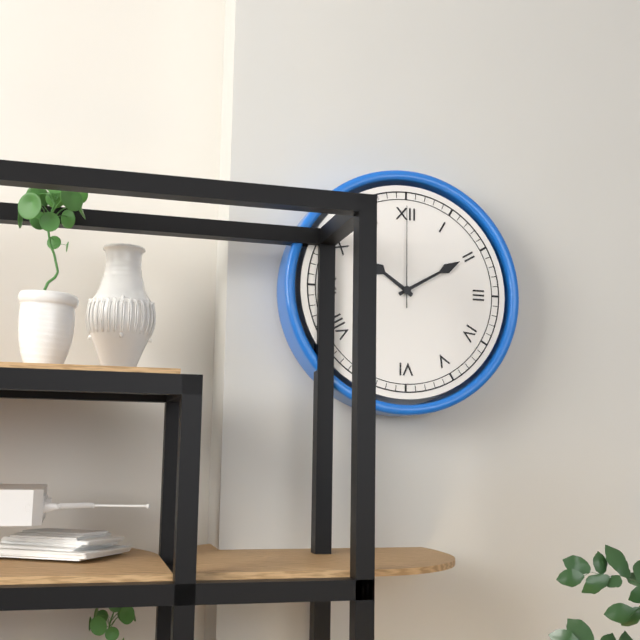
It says 10:10:00
